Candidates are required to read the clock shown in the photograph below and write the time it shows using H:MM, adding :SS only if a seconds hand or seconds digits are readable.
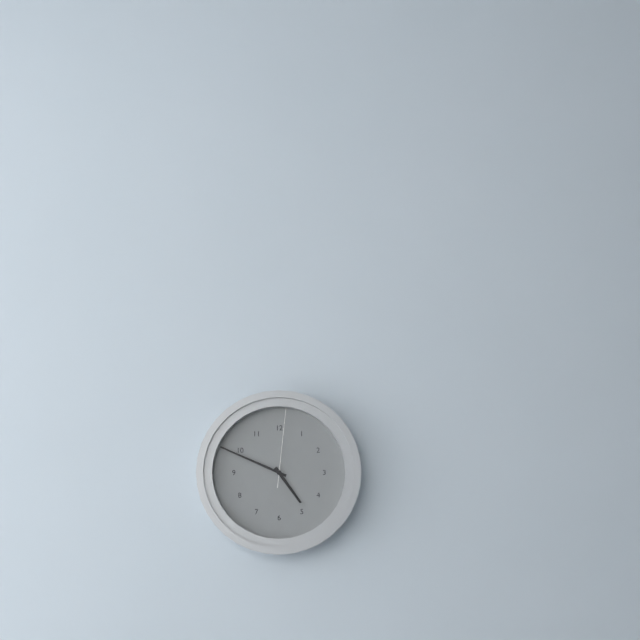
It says 4:49:01
